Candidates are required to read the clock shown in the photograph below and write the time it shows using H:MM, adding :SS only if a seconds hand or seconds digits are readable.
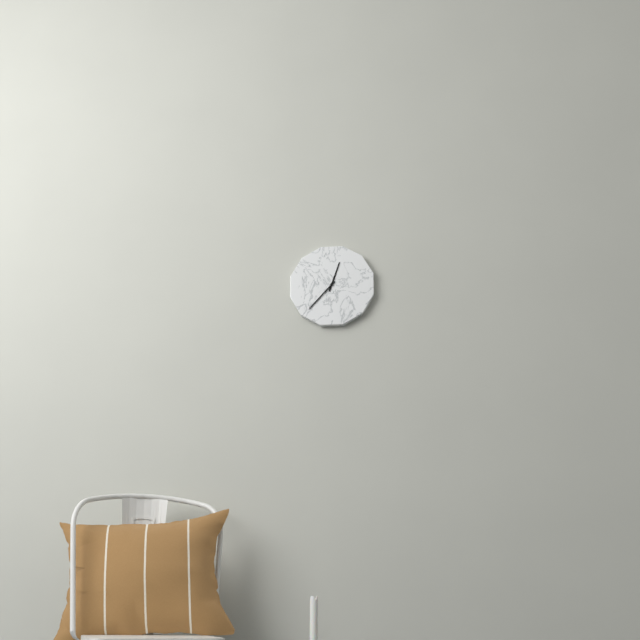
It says 12:37
